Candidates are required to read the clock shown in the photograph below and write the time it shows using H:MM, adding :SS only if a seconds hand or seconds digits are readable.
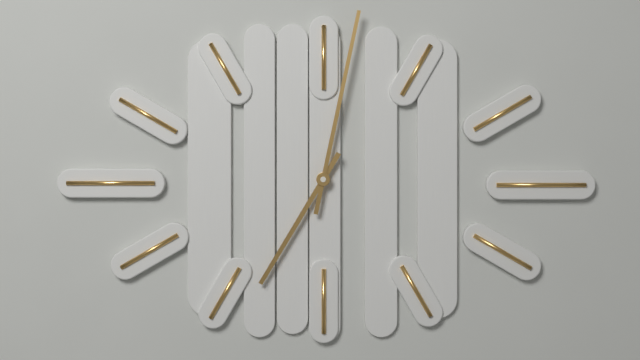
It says 7:02
